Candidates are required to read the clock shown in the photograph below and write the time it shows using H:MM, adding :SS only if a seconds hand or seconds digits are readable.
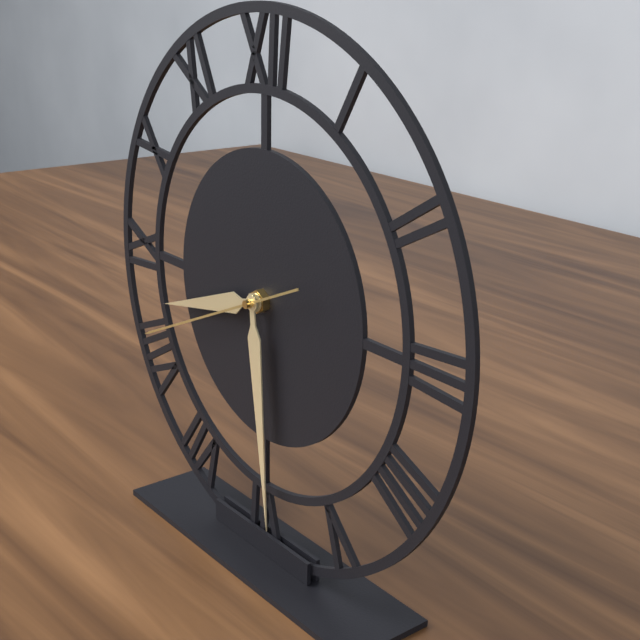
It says 8:29:41
